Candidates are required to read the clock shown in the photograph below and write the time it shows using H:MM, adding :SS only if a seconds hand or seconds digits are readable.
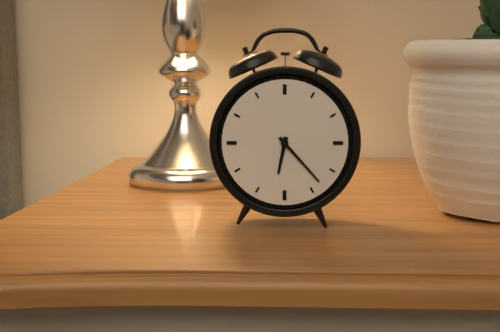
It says 6:23
